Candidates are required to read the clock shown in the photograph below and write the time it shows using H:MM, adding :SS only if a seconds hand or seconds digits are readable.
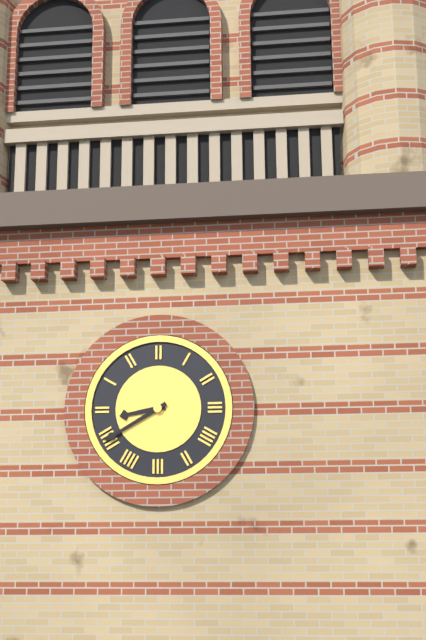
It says 8:40
